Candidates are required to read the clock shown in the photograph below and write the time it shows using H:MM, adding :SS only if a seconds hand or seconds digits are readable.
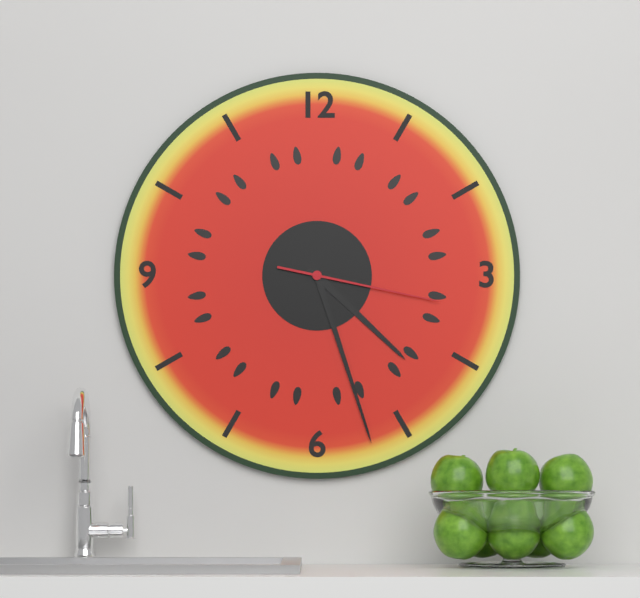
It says 4:27:17
